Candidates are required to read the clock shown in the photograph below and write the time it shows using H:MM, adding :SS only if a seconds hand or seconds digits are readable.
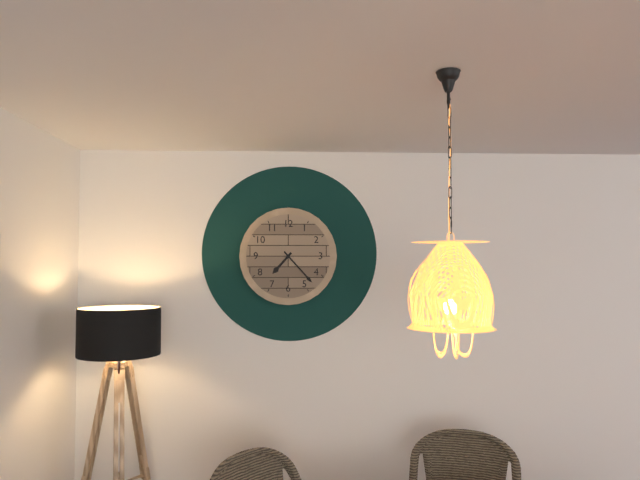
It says 7:23
